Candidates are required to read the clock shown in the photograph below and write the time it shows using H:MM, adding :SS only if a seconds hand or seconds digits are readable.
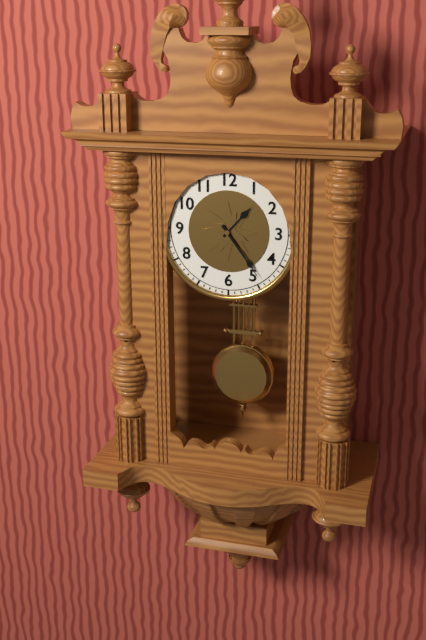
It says 1:24
